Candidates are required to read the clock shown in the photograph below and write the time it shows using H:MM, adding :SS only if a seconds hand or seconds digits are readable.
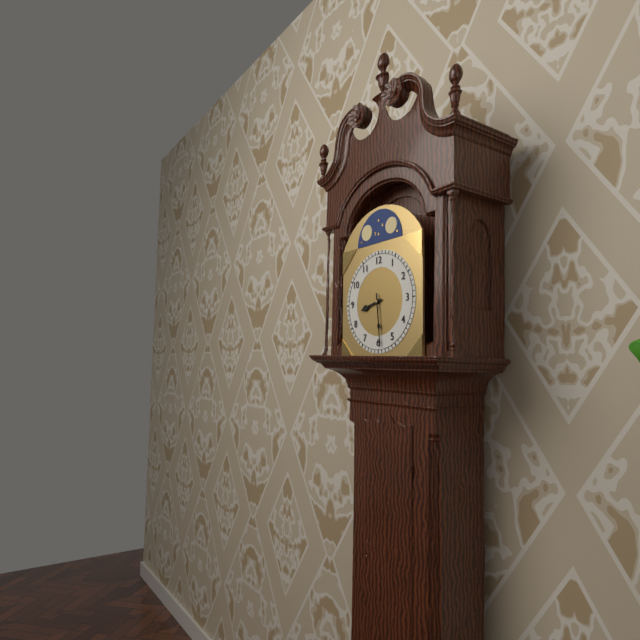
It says 8:29
